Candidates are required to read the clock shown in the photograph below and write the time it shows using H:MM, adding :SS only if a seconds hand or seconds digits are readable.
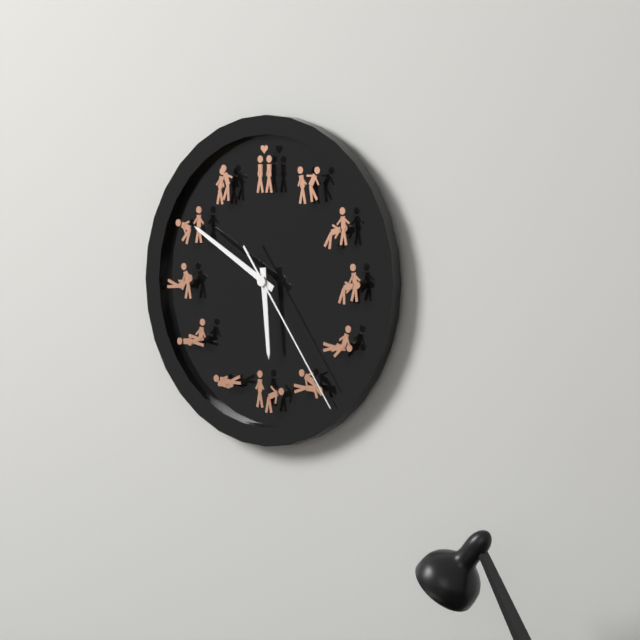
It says 5:50:24
